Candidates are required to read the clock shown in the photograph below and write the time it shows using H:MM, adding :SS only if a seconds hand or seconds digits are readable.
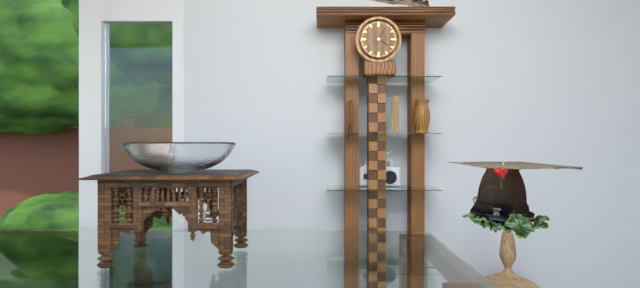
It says 4:05
